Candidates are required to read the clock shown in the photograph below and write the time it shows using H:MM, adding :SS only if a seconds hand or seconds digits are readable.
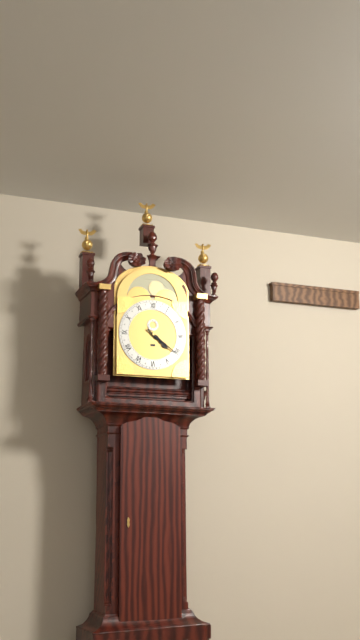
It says 4:21
